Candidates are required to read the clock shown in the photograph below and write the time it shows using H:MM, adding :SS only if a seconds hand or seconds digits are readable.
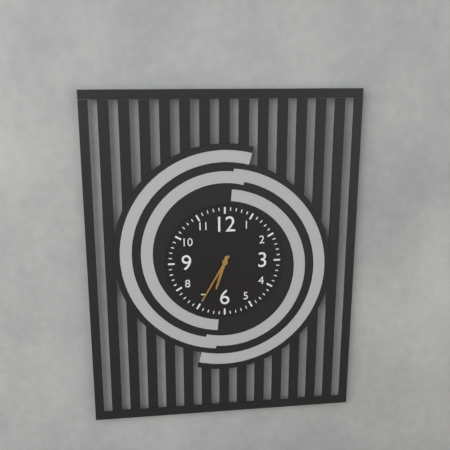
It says 6:35
